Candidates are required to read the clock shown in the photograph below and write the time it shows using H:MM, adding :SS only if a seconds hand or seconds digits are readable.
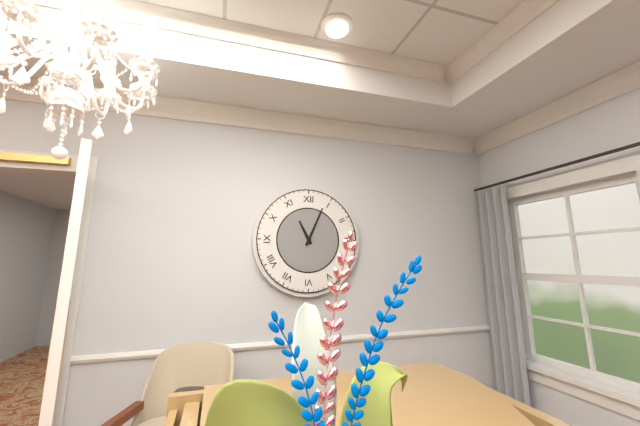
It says 11:04
